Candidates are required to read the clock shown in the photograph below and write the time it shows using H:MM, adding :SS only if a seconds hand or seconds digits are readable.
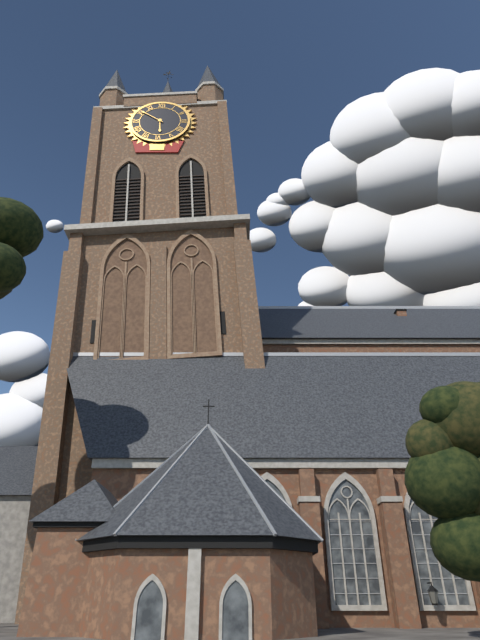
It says 5:51
